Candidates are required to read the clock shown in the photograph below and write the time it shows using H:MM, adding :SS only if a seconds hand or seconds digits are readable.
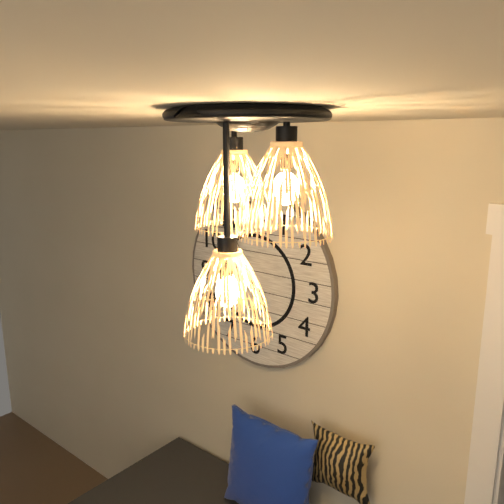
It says 5:30:55
